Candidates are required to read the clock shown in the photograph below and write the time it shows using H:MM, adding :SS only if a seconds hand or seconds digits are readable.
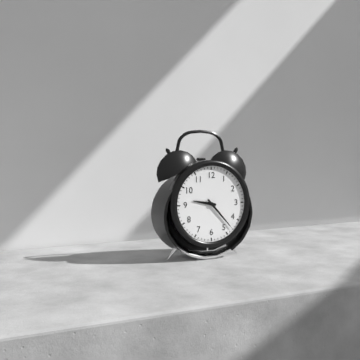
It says 9:23
